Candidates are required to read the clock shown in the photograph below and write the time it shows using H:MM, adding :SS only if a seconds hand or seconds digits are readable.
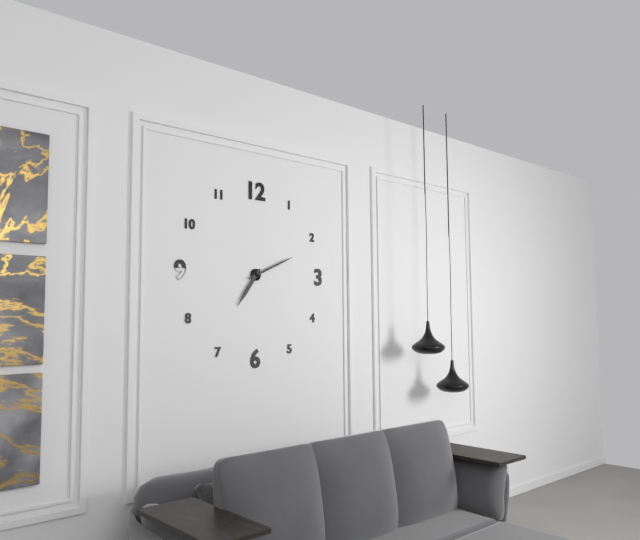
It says 7:11
